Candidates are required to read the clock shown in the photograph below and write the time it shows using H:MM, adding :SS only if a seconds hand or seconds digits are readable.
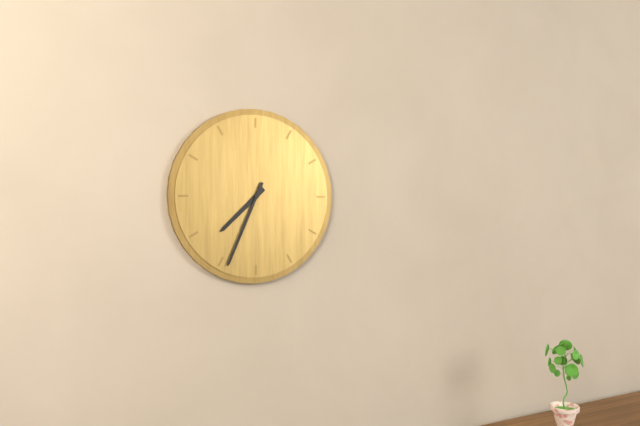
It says 7:34
